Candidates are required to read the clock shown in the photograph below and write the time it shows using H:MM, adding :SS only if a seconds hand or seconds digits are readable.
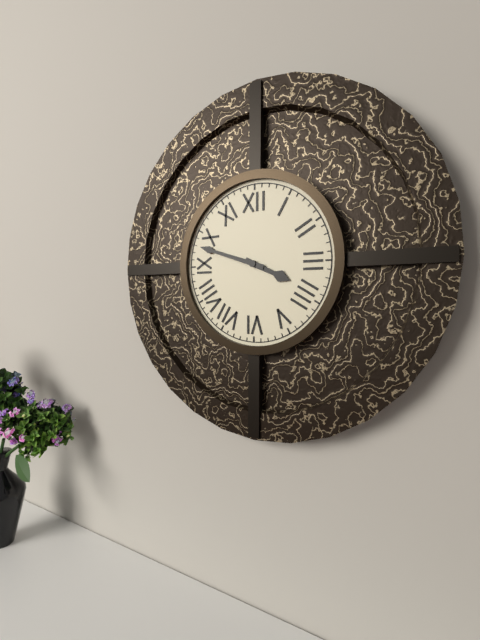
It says 3:48
